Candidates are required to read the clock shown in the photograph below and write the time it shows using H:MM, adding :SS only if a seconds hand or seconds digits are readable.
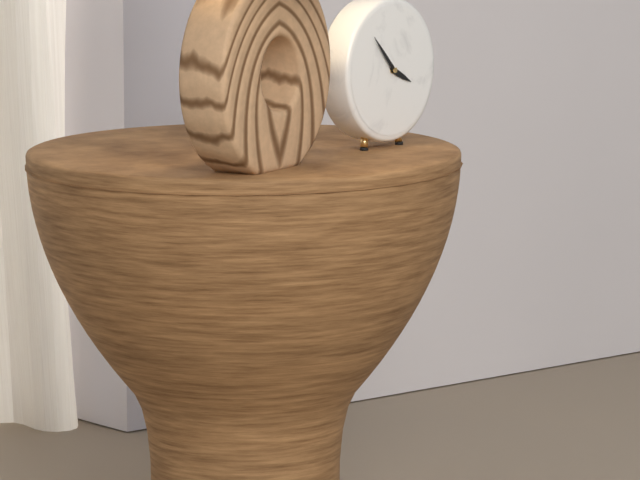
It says 3:53
